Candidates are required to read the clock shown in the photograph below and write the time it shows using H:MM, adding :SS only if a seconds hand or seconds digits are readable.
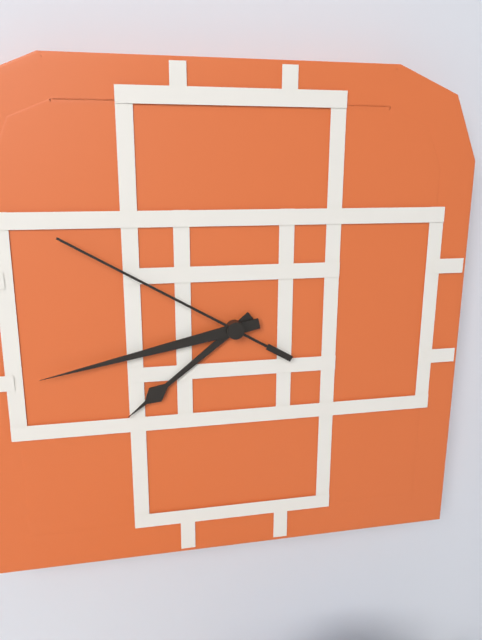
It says 7:43:50
